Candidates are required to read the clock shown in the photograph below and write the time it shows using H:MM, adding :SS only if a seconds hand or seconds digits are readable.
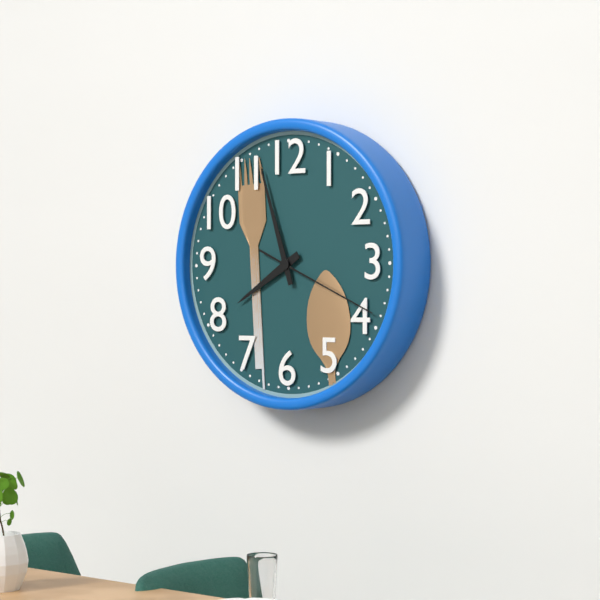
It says 7:57:19
